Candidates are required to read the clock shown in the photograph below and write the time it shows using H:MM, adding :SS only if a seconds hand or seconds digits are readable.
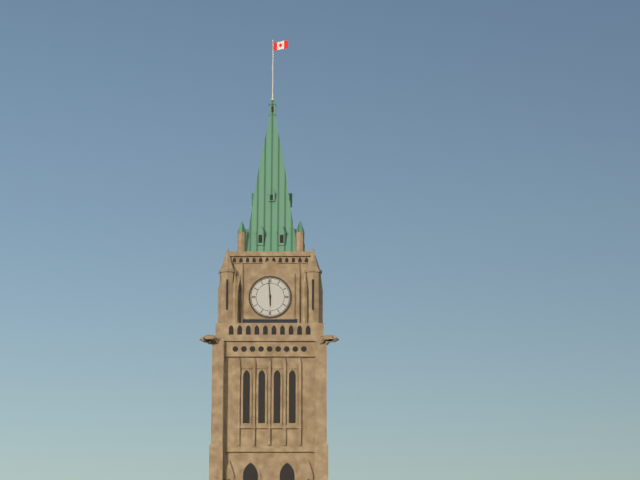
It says 5:59
